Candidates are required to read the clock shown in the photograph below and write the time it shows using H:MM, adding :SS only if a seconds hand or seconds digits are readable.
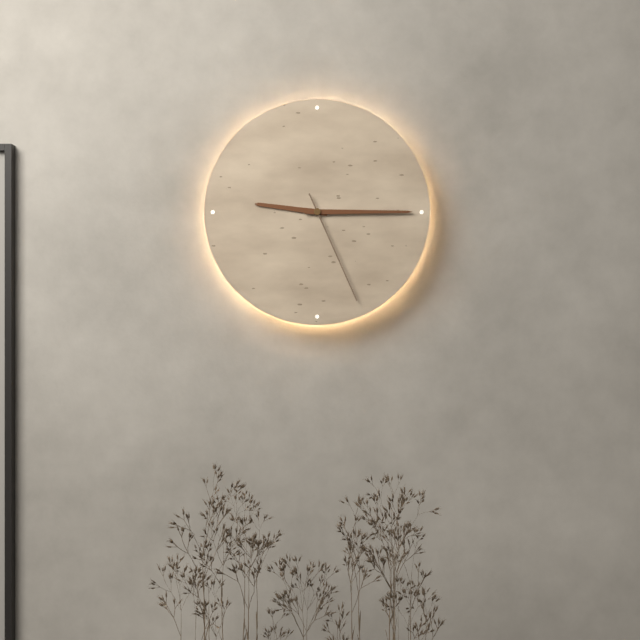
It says 9:15:26
